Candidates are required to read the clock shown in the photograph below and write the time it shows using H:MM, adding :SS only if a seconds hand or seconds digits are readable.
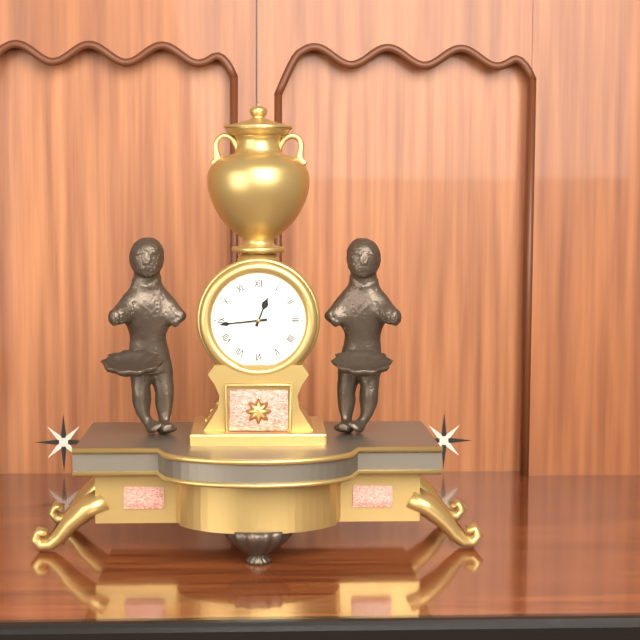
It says 12:44
